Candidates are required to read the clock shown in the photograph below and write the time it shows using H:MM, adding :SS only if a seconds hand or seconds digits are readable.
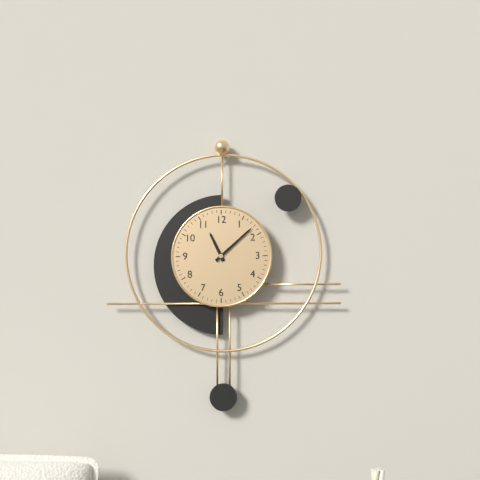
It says 11:08
